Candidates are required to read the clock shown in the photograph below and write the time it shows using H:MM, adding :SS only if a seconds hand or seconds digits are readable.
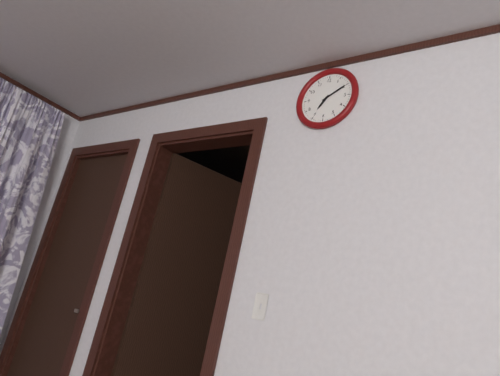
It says 7:10
